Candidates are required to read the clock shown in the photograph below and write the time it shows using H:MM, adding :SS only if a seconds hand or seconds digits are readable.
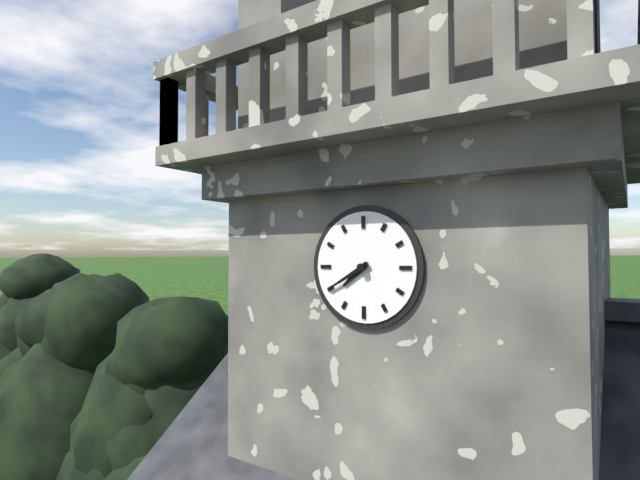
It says 7:40
